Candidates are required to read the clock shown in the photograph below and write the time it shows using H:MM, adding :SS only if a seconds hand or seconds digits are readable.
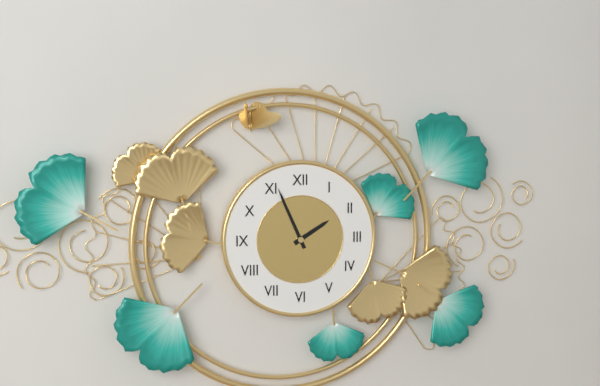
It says 1:56
